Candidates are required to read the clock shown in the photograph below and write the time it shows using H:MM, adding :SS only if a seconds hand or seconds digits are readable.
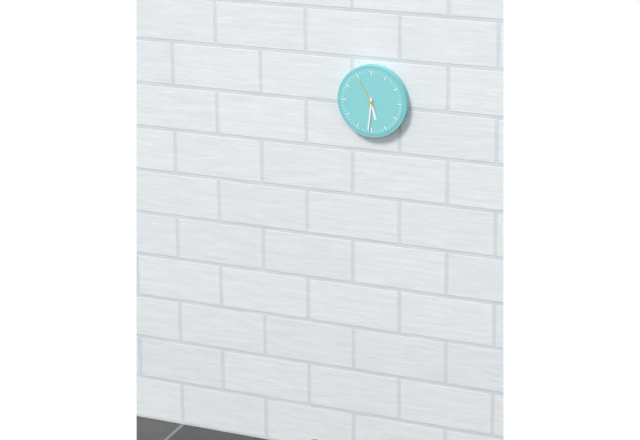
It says 5:31
